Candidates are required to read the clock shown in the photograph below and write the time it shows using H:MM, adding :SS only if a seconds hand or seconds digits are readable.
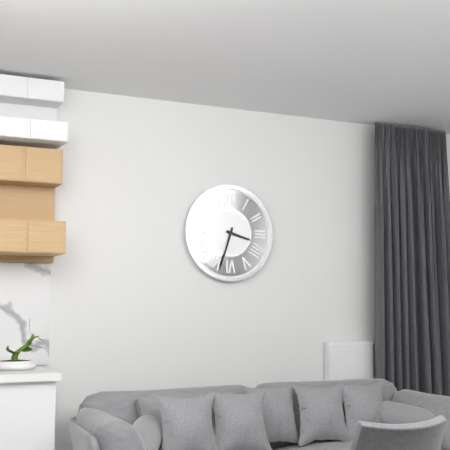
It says 3:33
